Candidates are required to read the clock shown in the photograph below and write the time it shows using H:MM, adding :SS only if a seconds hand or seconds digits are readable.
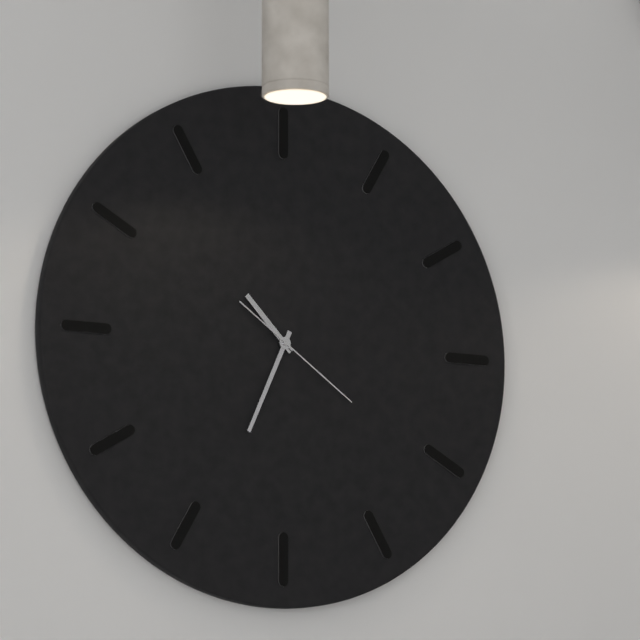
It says 10:34:21
